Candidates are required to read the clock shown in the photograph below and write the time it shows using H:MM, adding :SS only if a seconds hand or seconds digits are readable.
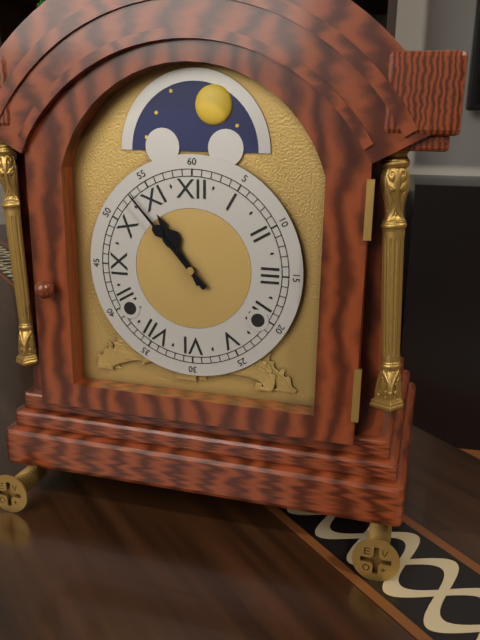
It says 10:53
